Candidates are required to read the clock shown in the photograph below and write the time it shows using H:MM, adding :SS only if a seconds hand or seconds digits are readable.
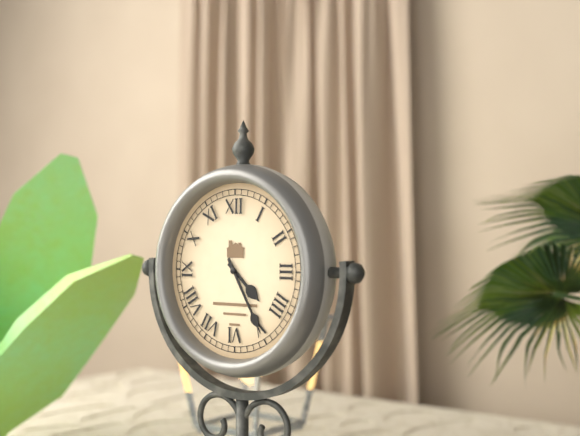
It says 4:25
